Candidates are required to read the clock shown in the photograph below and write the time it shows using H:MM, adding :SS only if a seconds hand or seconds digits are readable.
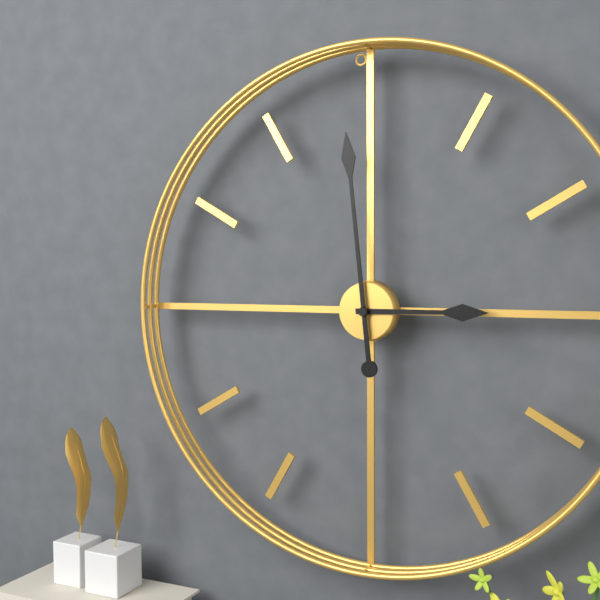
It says 2:59
